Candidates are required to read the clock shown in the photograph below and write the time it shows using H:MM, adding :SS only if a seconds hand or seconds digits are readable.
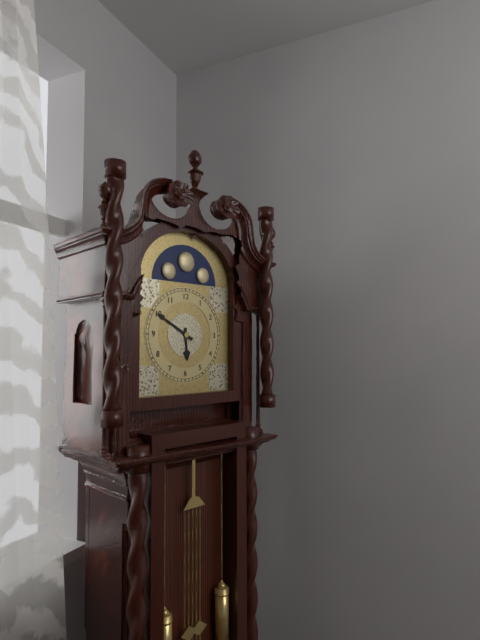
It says 5:50
